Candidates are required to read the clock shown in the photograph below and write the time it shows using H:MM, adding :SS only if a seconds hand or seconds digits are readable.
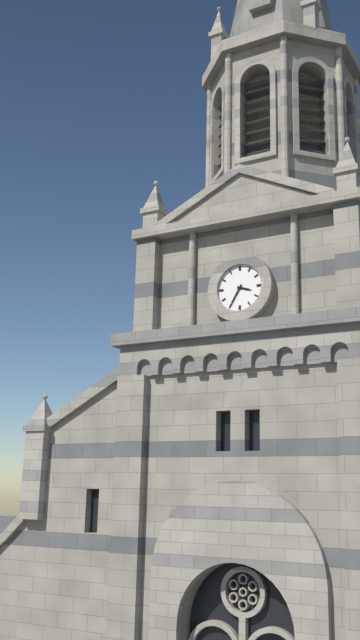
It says 3:35
